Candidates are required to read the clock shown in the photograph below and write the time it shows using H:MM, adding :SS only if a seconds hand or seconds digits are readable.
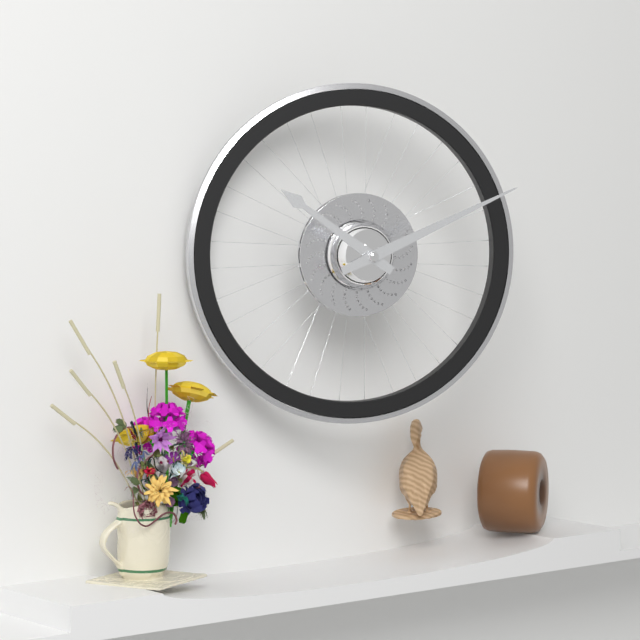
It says 10:11
